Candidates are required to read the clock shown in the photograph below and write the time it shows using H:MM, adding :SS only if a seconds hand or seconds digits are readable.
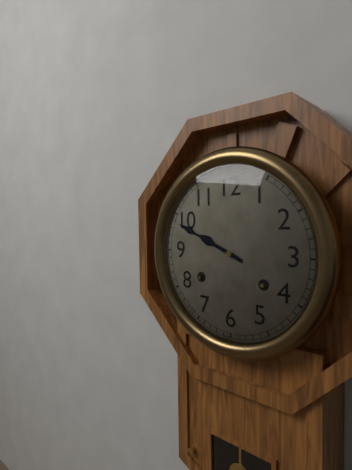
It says 9:49
